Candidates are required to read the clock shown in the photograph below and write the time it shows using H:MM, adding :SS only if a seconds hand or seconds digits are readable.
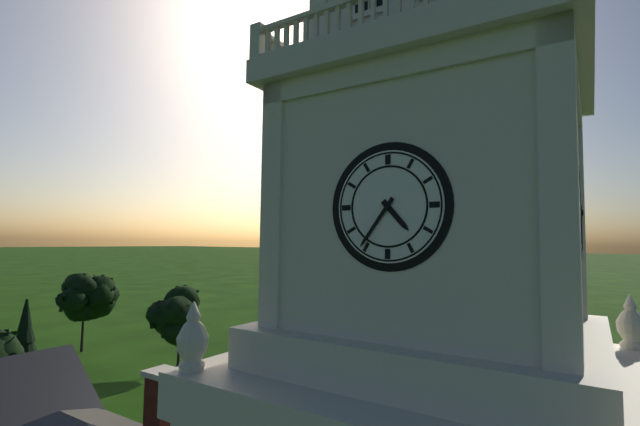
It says 4:36
